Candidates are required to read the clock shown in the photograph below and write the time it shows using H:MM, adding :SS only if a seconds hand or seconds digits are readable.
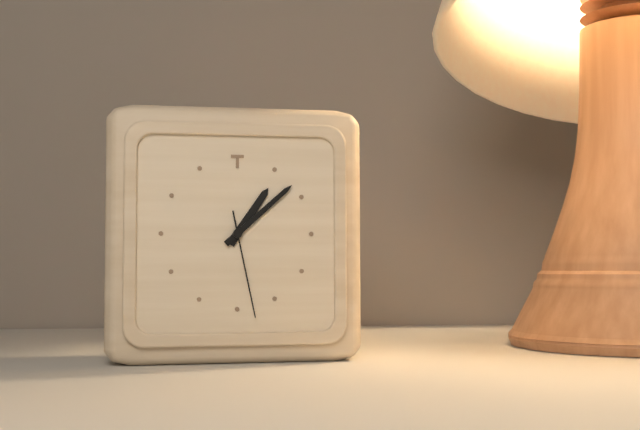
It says 1:08:28
